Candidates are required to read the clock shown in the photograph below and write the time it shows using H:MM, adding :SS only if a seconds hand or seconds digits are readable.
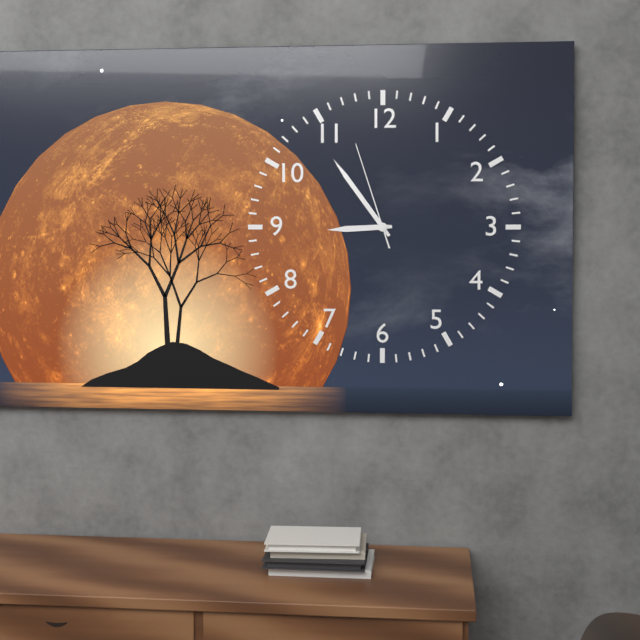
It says 8:54:57
